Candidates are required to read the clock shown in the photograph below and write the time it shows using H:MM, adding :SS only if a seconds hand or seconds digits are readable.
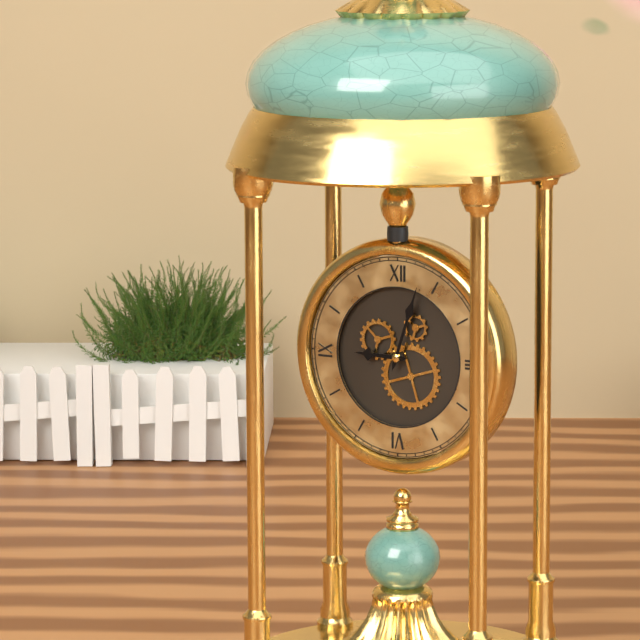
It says 9:03
